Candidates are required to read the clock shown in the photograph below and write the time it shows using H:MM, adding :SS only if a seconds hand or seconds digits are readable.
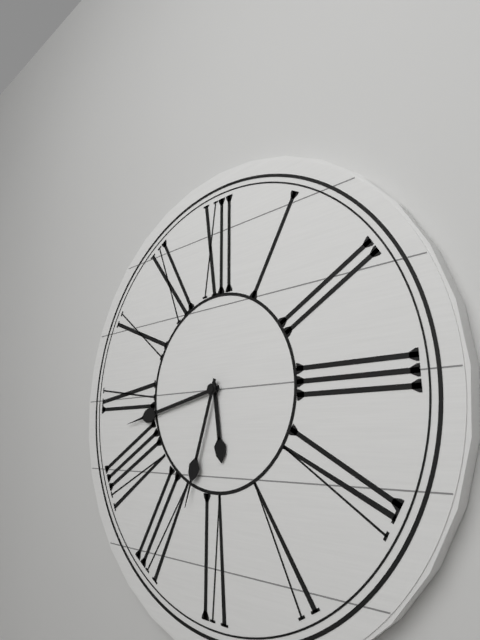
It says 5:43:33
